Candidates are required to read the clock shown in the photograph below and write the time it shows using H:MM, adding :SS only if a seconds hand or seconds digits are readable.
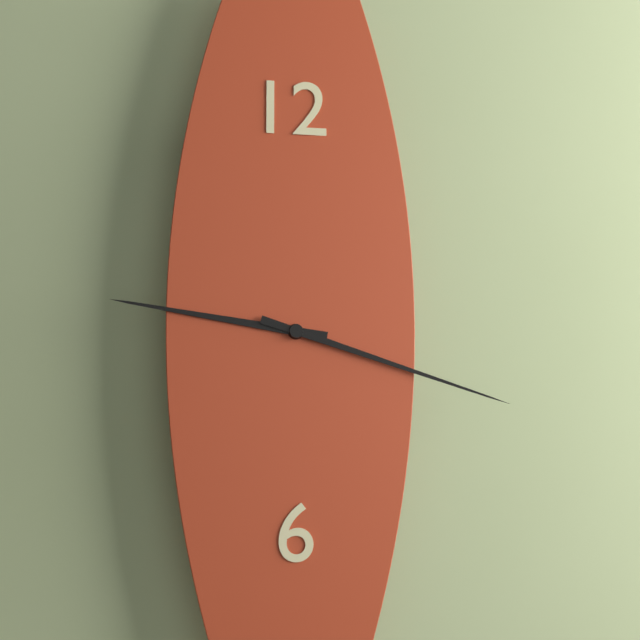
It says 9:18
